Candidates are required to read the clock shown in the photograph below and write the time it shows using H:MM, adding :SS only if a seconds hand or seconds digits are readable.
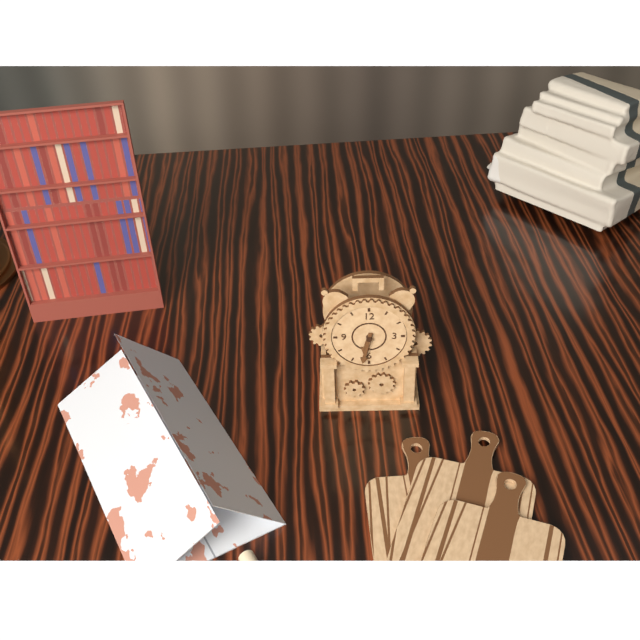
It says 6:32
